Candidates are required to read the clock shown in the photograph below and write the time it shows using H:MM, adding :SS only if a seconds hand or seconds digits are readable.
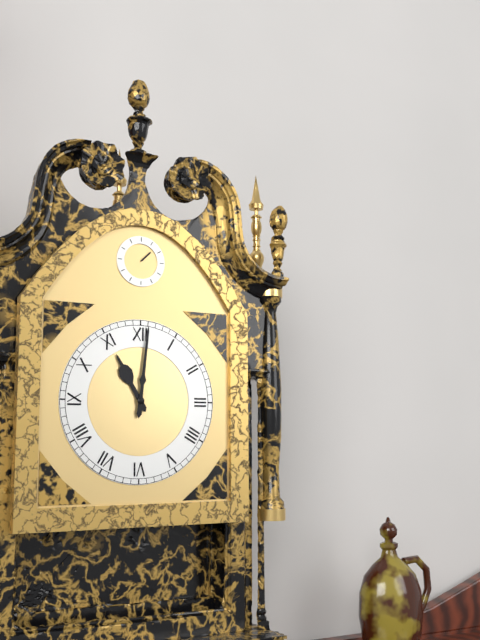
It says 11:01
